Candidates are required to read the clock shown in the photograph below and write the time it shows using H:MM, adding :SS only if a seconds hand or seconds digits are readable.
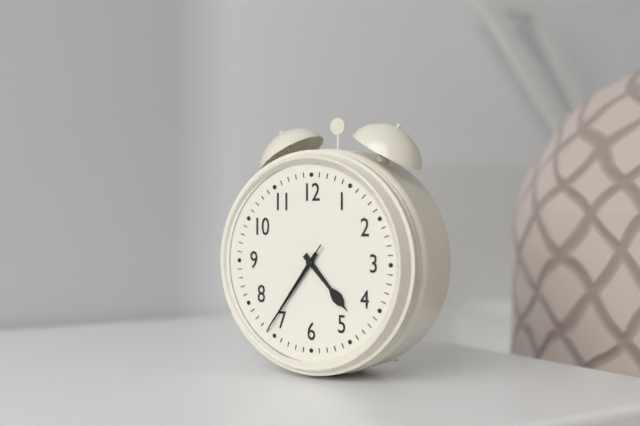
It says 4:36:36
